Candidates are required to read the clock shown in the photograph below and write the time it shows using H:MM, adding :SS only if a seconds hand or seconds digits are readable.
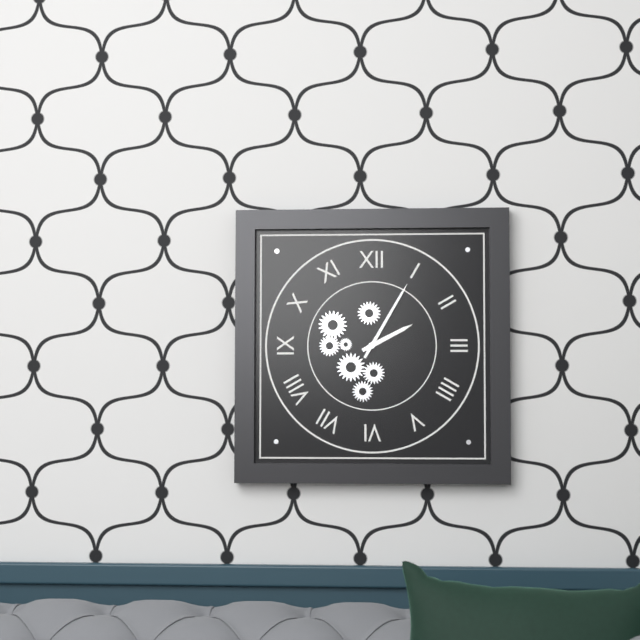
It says 2:05
